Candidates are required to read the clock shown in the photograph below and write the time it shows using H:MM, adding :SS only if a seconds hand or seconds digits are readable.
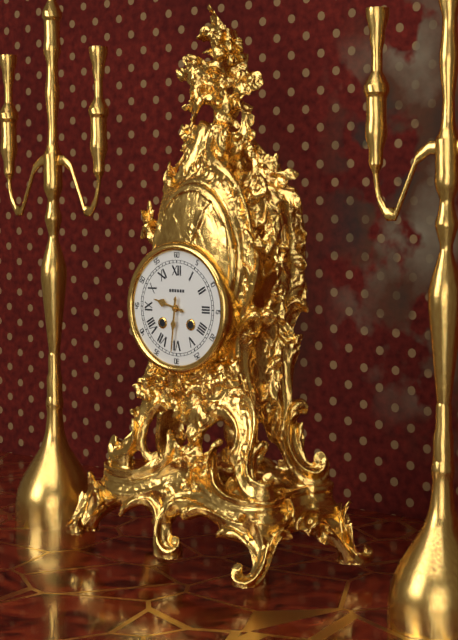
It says 9:31
